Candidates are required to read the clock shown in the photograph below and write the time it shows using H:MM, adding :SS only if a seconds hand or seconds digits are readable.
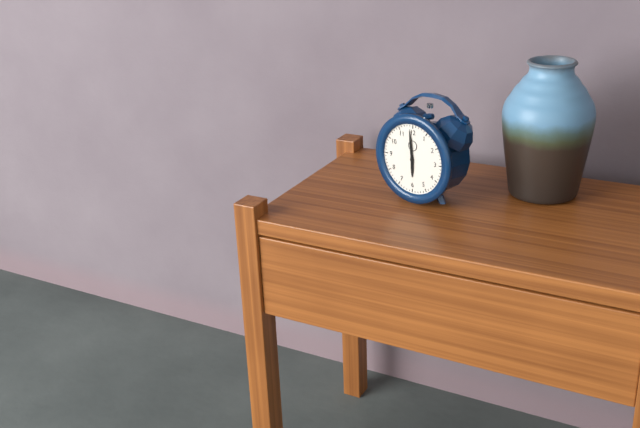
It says 5:59
